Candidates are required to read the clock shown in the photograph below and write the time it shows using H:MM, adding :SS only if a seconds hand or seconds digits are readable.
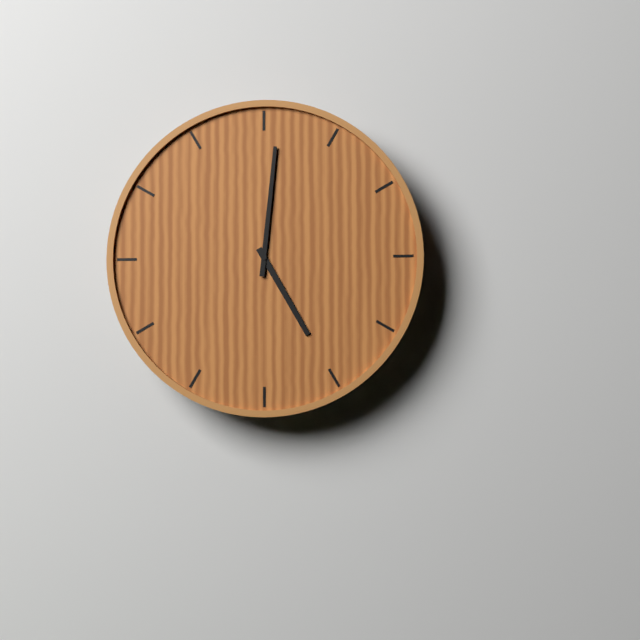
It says 5:01
